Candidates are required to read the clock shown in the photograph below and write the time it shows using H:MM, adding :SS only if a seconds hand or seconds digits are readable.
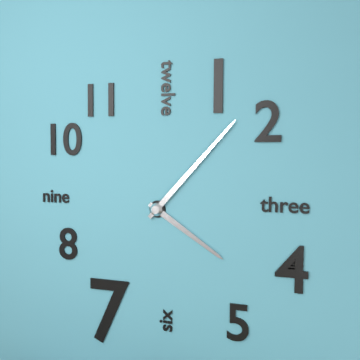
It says 4:07
